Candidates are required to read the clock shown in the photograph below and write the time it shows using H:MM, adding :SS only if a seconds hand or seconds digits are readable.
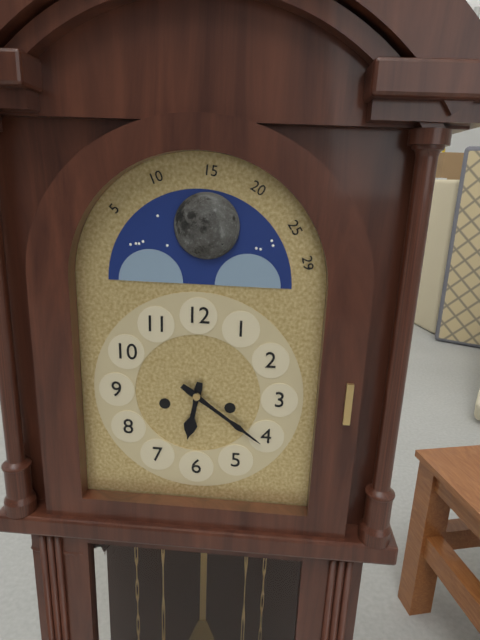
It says 6:21
